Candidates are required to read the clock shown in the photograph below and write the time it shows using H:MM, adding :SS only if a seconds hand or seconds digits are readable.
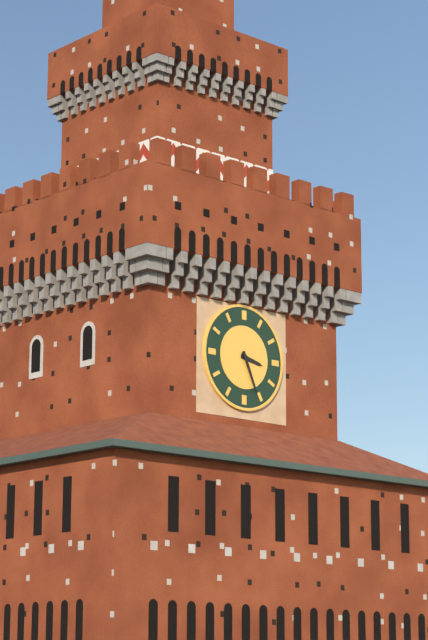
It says 3:26
